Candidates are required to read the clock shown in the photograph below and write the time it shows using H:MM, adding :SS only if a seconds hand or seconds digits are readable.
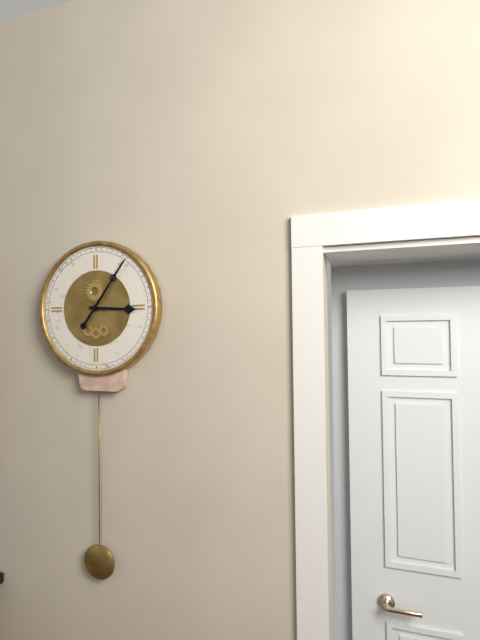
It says 3:06
